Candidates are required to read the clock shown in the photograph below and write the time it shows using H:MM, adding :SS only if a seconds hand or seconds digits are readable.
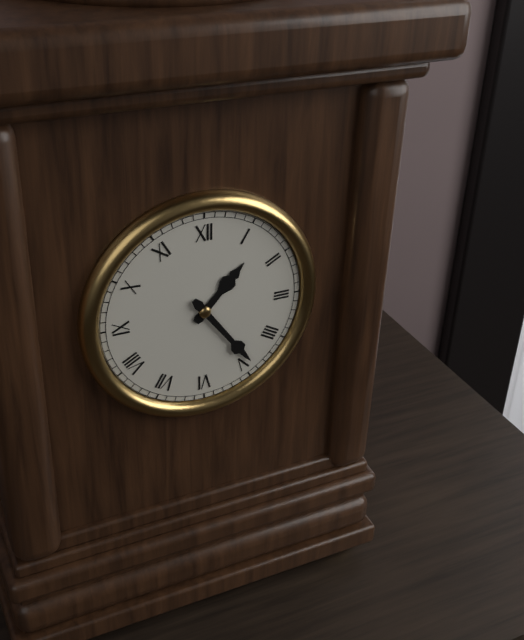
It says 1:24
